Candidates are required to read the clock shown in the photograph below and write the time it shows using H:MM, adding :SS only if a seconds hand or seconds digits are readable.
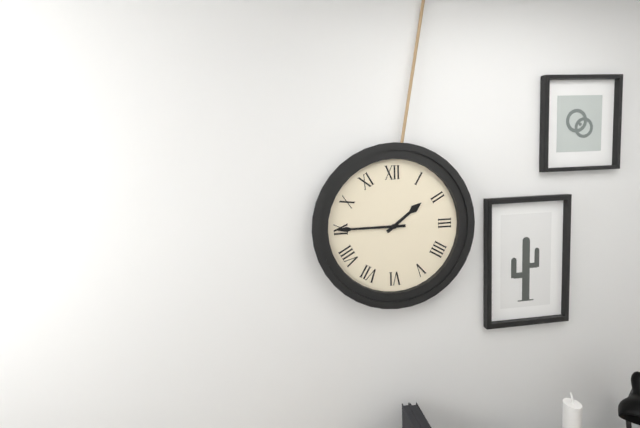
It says 1:45
